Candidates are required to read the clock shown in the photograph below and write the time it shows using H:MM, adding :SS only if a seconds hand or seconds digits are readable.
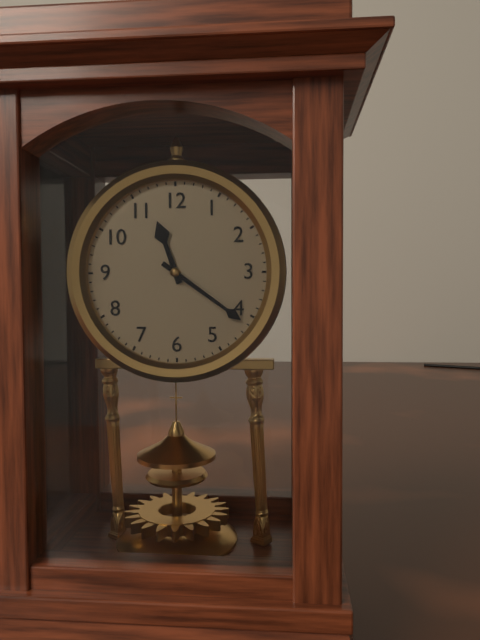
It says 11:21
